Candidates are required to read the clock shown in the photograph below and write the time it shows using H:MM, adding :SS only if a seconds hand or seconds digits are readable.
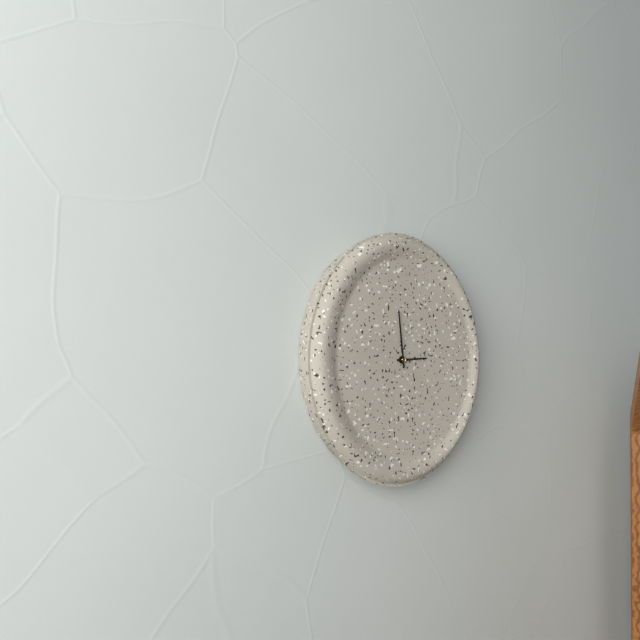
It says 2:59
